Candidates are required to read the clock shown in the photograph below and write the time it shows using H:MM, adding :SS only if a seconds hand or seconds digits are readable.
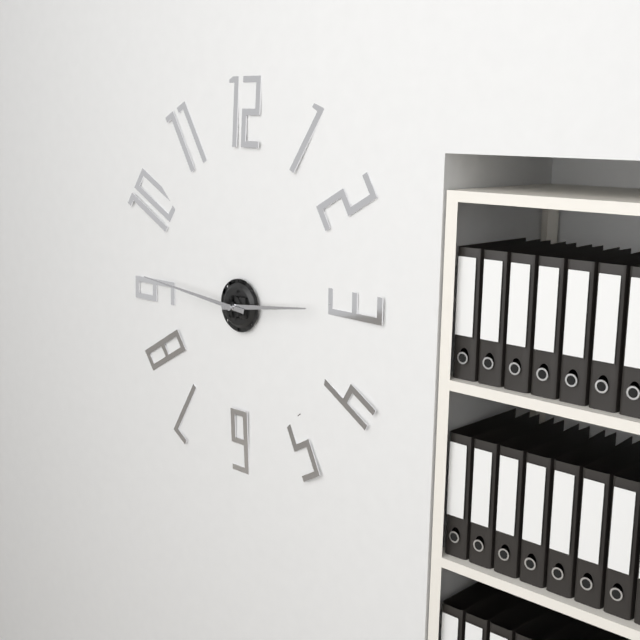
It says 2:46
